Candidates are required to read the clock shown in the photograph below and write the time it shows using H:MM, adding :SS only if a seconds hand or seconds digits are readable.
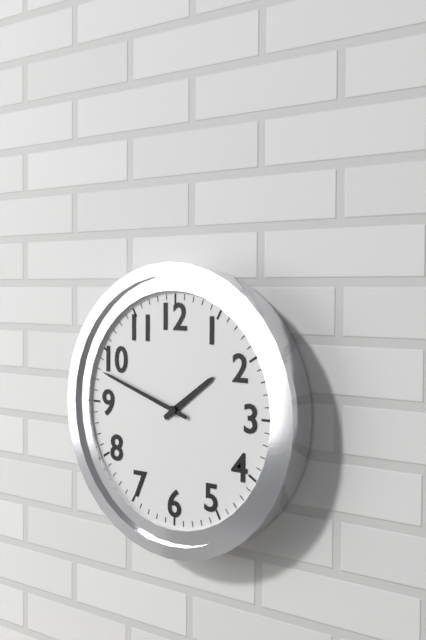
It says 1:48
